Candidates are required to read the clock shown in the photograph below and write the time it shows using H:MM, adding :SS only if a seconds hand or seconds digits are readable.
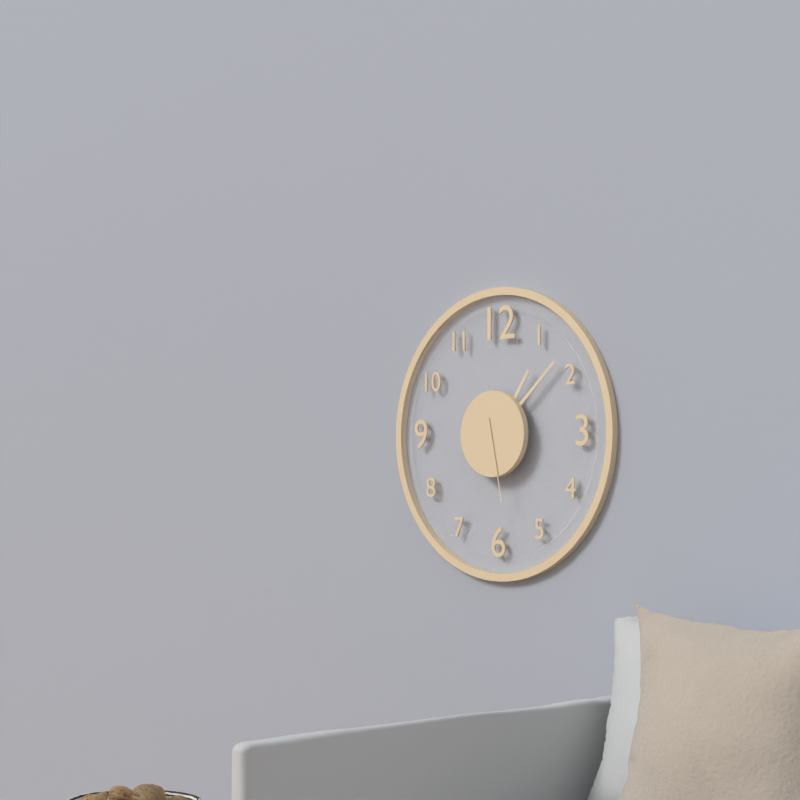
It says 1:08:28
